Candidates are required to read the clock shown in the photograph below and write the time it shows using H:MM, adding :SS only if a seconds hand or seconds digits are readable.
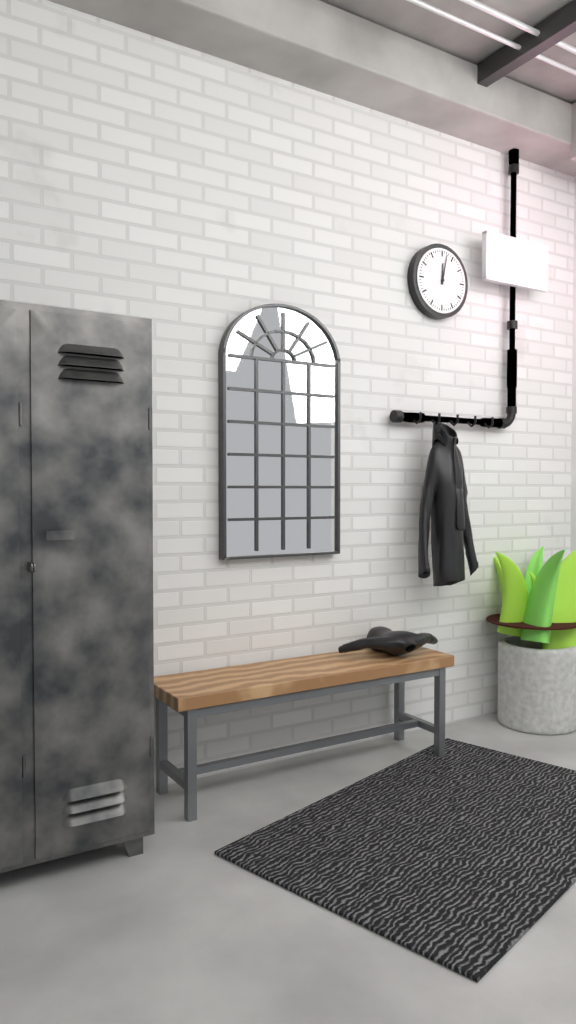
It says 12:02
